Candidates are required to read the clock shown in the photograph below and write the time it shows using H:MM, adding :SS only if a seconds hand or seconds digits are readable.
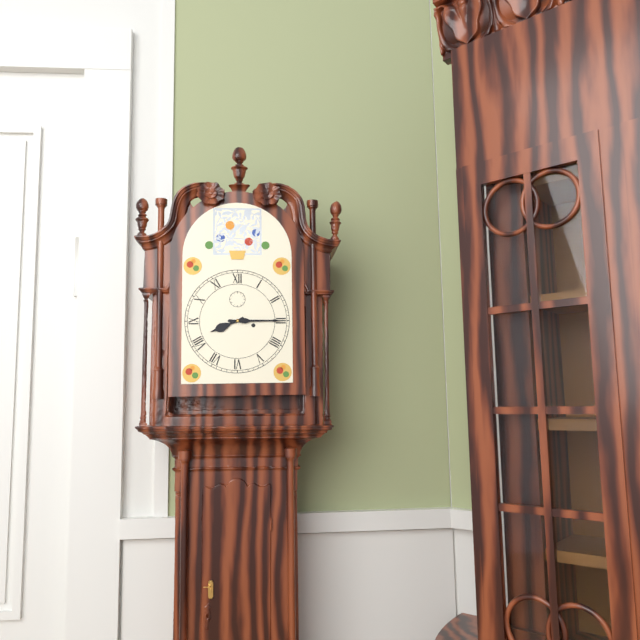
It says 8:15
